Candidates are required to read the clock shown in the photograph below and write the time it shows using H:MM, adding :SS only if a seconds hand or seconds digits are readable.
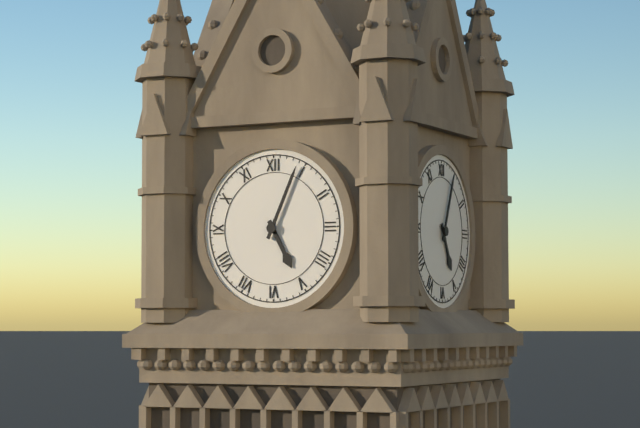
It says 5:04
